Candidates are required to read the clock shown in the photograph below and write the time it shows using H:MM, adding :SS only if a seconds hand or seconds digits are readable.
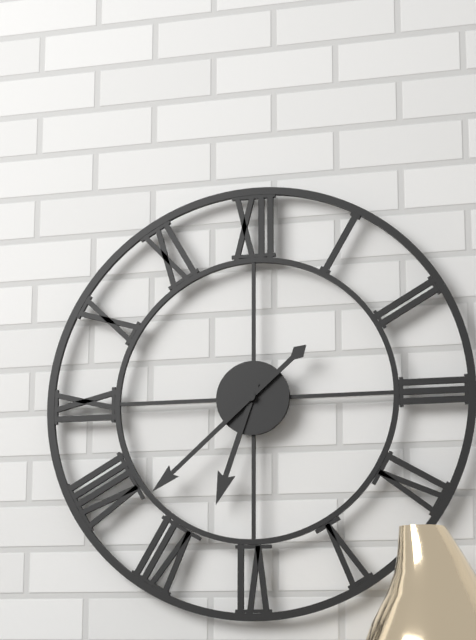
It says 6:38
